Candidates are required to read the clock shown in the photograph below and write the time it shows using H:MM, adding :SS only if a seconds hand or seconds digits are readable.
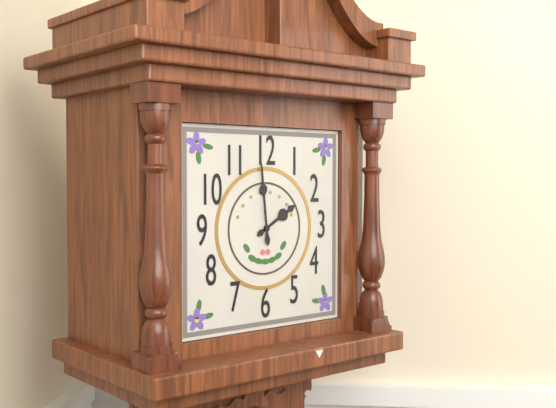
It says 1:59
